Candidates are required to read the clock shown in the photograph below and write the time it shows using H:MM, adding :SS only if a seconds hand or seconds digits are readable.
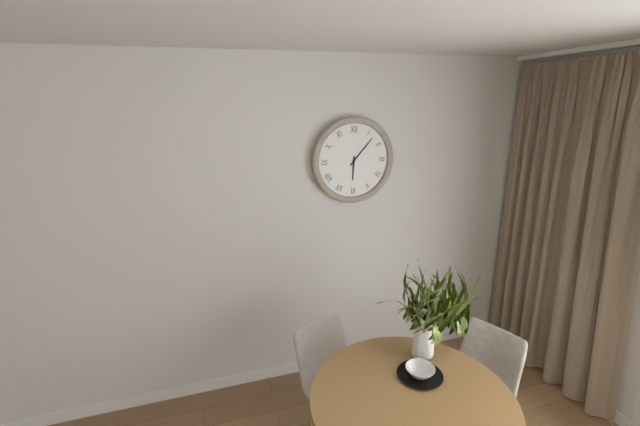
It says 6:07
